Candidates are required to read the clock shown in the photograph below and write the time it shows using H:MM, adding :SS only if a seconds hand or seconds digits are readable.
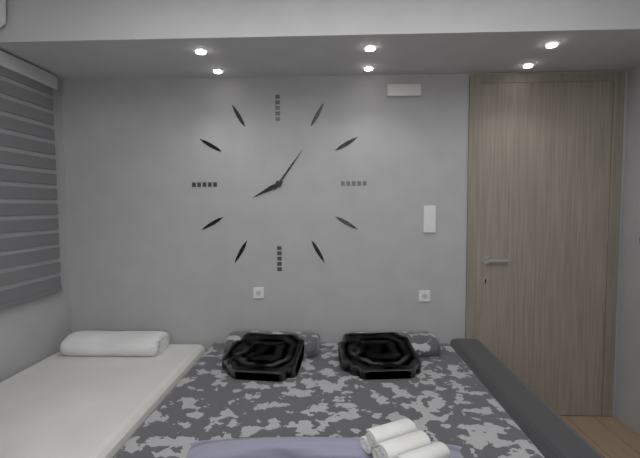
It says 8:06
